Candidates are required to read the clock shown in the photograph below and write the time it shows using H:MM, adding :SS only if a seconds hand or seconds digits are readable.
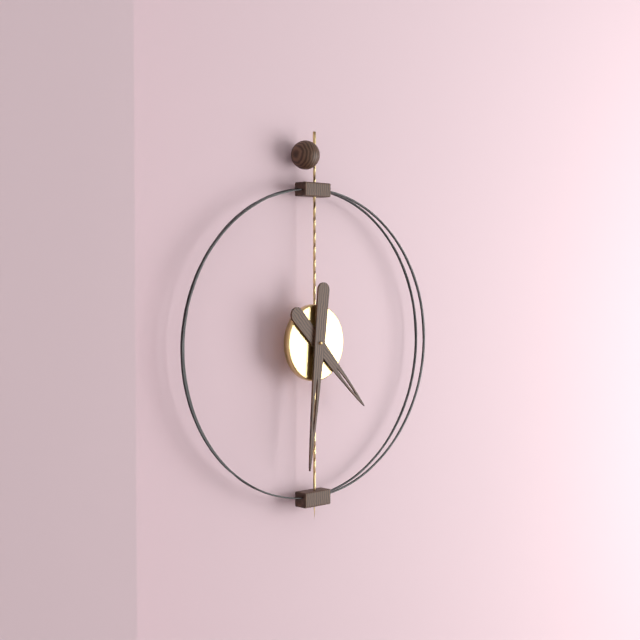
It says 4:31
